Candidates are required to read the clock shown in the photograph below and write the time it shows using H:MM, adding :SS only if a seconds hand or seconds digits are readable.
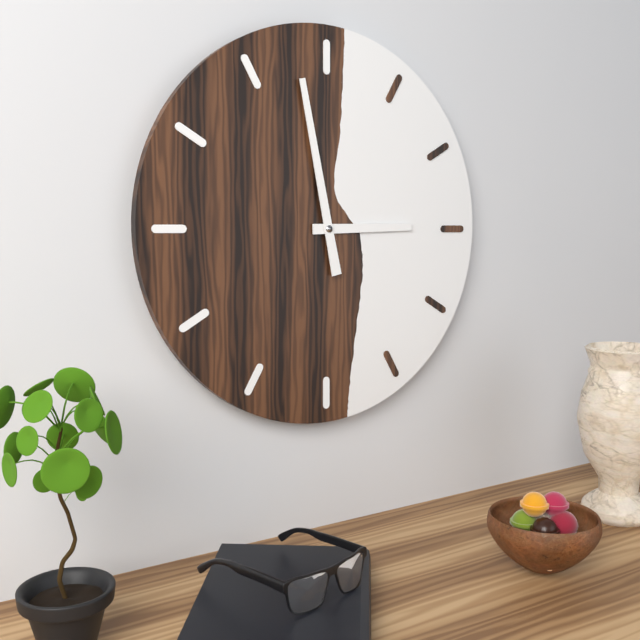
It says 2:58
